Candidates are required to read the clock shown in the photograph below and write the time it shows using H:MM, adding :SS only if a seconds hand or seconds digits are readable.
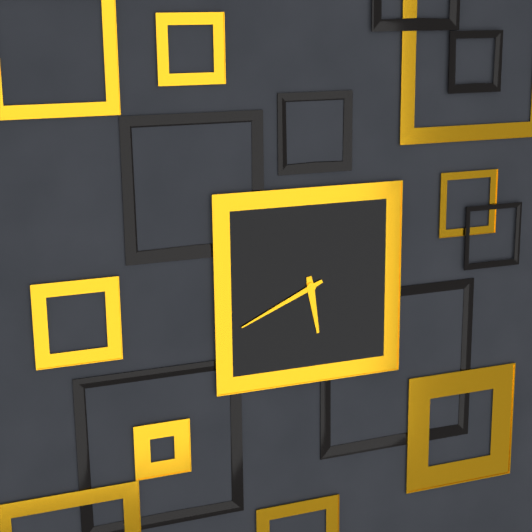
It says 5:41
